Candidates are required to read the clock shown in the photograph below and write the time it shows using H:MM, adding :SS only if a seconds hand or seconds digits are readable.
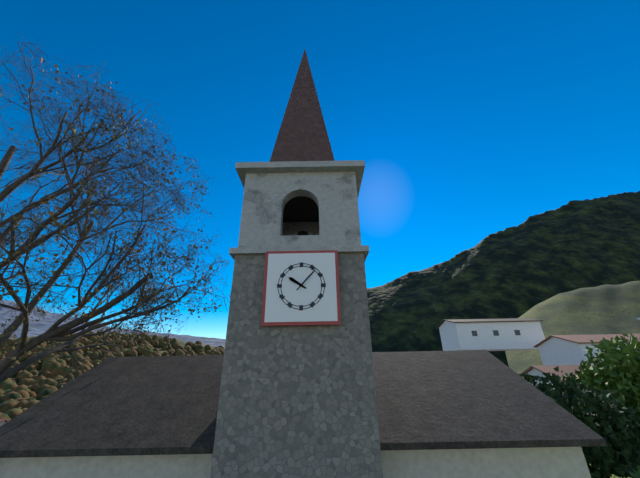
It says 10:07
